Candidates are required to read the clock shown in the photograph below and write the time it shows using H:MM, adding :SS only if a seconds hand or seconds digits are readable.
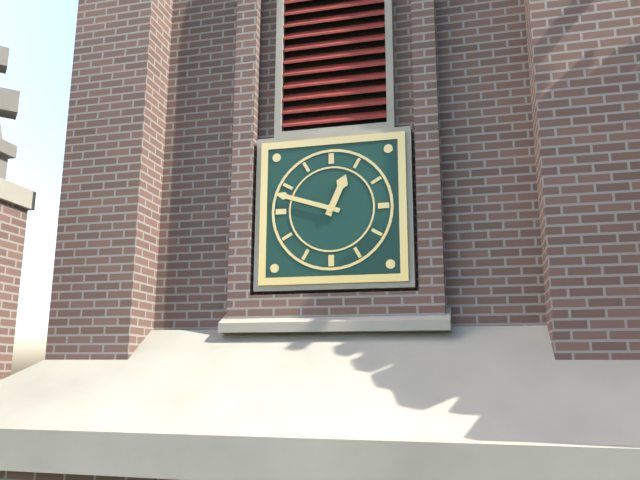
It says 12:48
